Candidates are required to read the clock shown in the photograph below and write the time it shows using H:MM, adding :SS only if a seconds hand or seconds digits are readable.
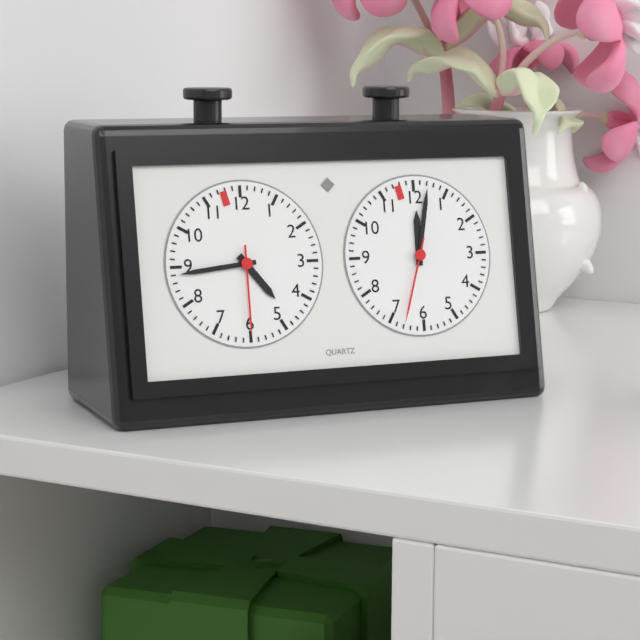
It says 4:44:30
